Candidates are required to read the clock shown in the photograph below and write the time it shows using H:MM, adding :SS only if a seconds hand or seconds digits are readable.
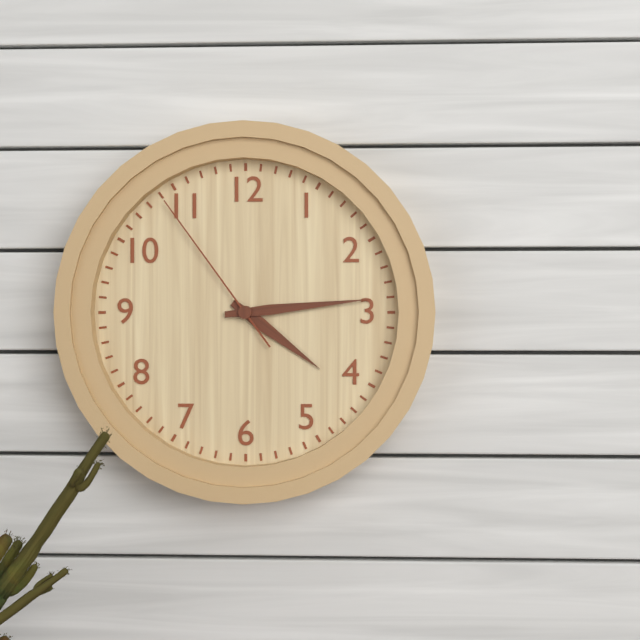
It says 4:14:54
